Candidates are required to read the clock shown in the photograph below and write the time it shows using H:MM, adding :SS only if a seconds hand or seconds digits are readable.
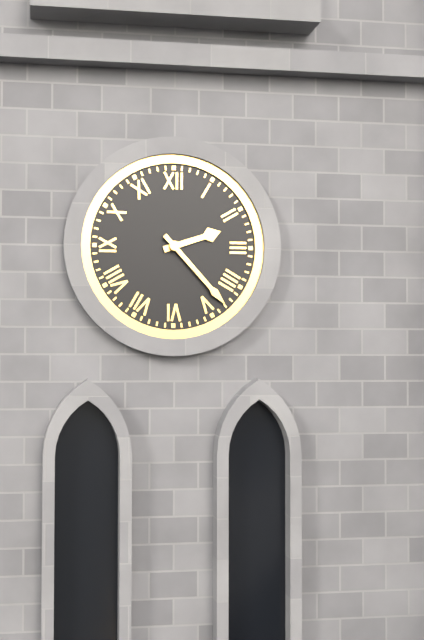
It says 2:23
